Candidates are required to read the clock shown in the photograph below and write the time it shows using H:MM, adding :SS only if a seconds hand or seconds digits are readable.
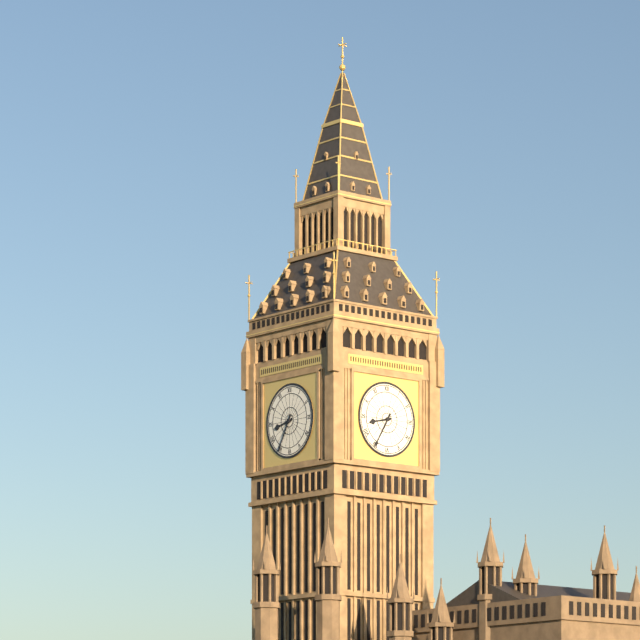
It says 8:35
